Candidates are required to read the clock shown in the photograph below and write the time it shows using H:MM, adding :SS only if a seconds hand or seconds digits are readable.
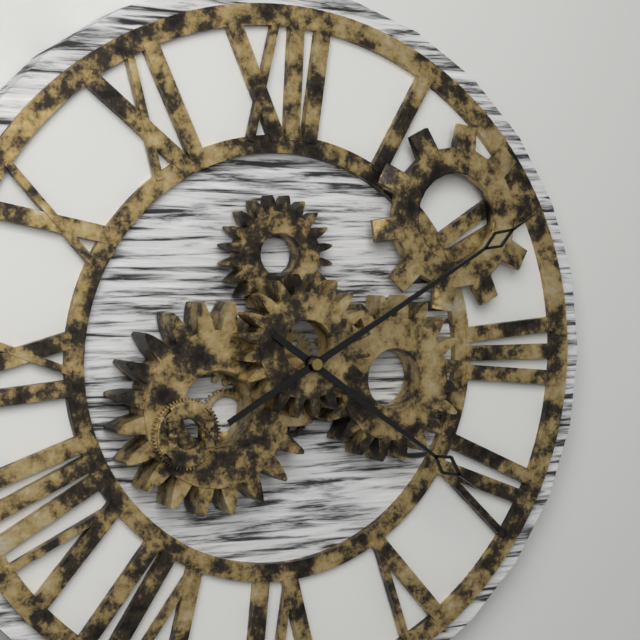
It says 4:10
